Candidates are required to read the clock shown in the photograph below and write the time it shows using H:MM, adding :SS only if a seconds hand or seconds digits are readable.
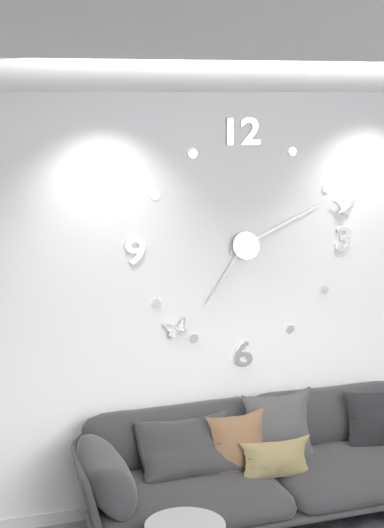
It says 7:11
